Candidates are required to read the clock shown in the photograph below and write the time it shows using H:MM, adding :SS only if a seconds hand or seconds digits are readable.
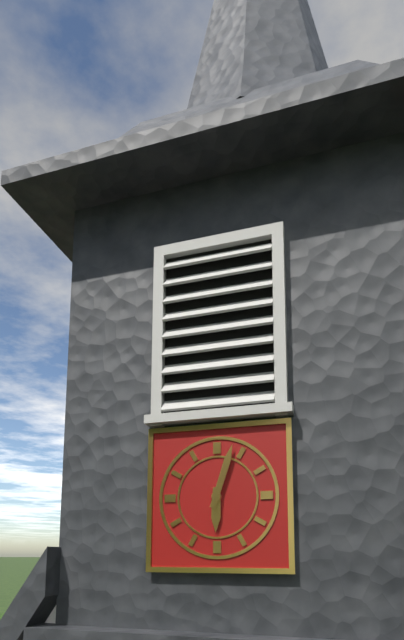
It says 6:03
